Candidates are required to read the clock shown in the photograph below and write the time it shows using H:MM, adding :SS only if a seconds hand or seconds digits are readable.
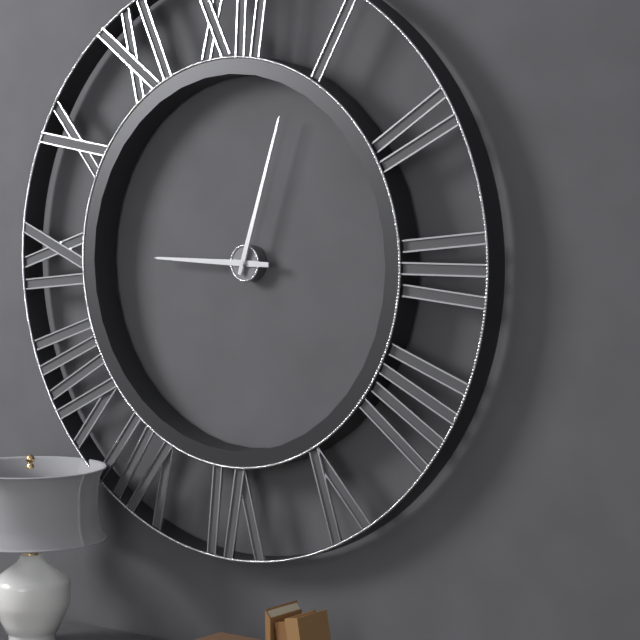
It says 9:03
